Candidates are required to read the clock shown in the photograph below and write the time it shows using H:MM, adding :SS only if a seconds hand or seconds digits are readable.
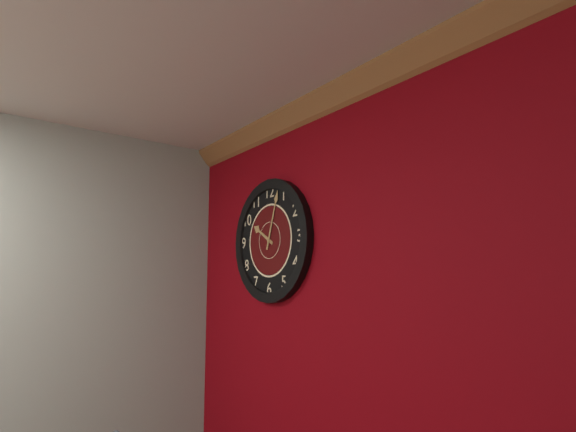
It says 10:03
